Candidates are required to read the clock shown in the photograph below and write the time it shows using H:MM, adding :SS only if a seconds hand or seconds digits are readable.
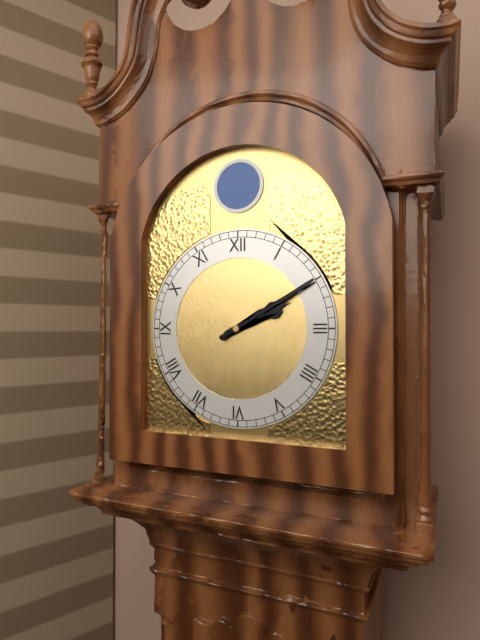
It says 2:10
